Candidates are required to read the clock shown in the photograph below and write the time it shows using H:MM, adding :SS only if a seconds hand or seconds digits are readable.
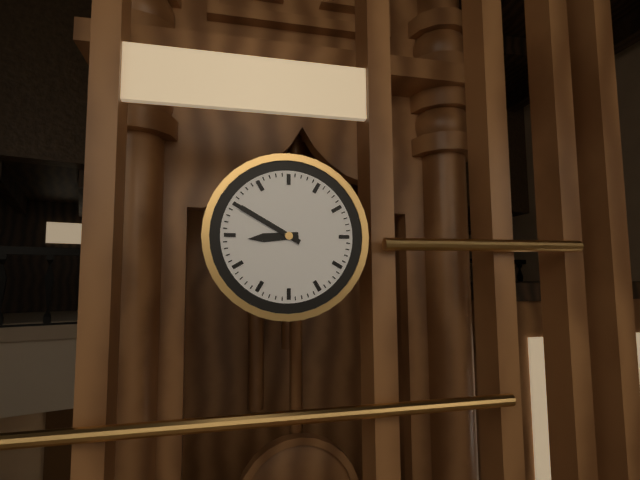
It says 8:50
